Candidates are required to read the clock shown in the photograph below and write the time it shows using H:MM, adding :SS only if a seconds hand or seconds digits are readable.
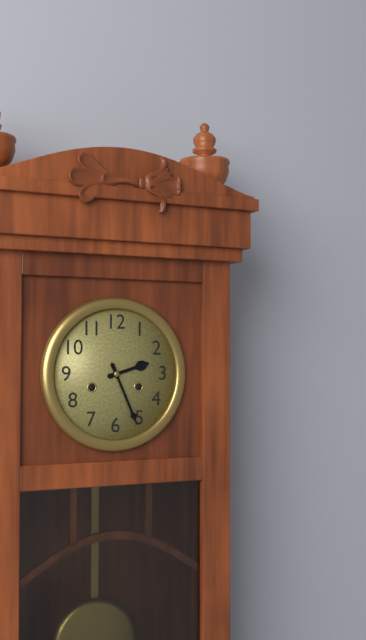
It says 2:26
